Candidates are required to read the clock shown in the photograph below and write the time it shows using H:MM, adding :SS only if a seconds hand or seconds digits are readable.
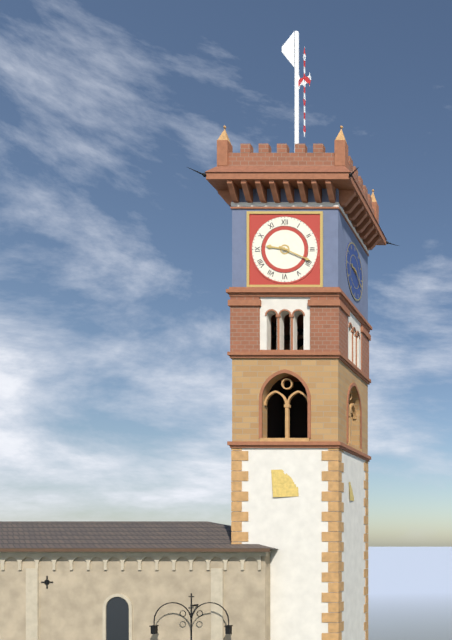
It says 9:19
